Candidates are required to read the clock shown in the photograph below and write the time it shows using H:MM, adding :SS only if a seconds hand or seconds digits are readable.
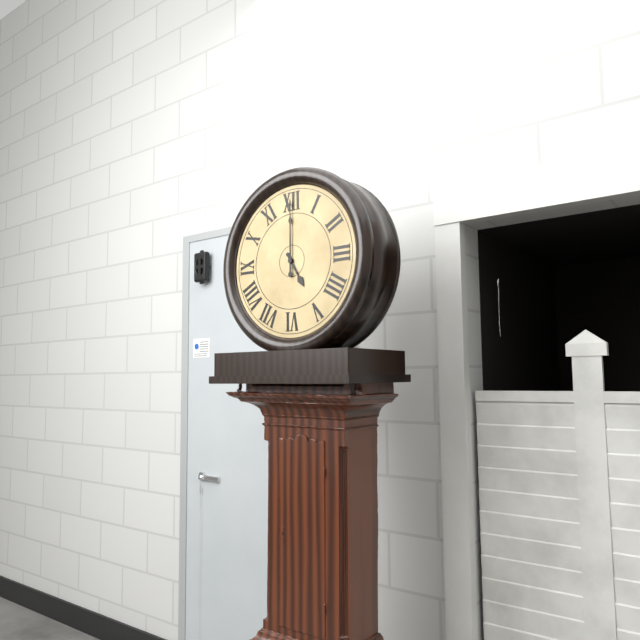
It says 5:00
